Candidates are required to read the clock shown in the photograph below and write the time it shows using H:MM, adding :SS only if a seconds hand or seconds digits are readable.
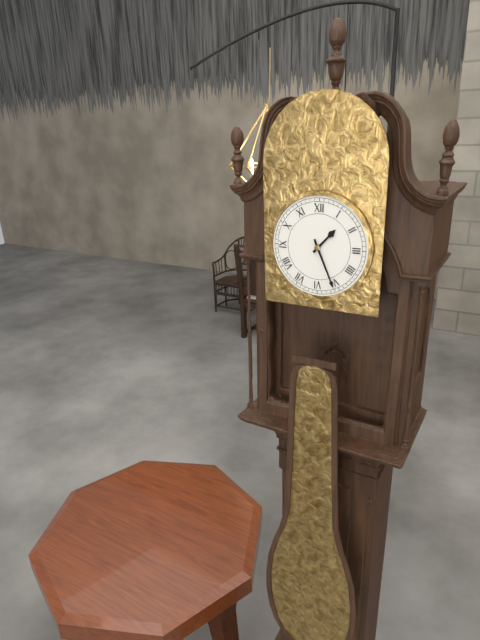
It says 1:26
